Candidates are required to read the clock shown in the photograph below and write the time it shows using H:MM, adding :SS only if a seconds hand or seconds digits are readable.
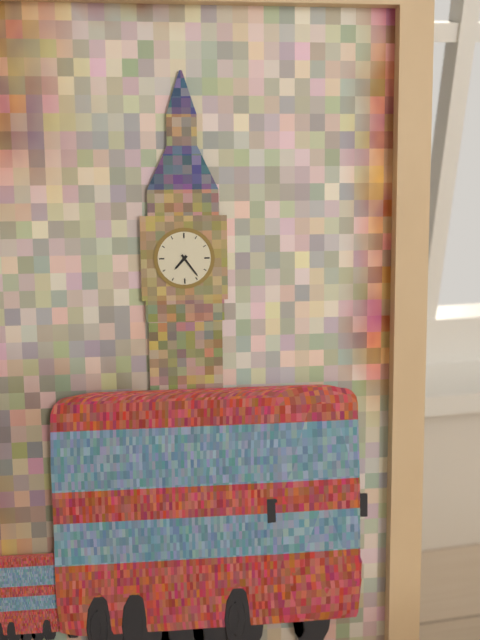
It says 7:24
